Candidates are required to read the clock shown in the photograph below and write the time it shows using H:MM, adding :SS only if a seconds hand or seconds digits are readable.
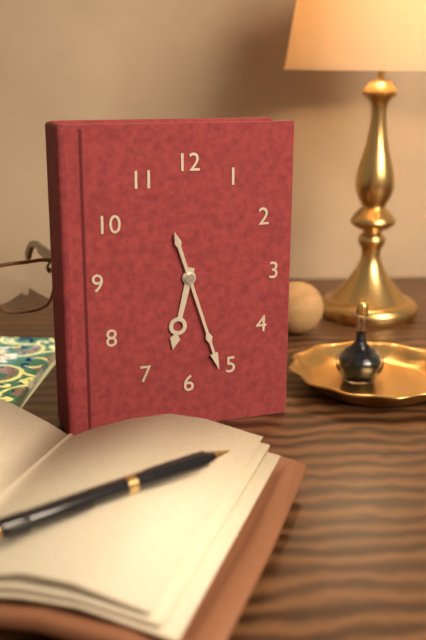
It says 6:27
